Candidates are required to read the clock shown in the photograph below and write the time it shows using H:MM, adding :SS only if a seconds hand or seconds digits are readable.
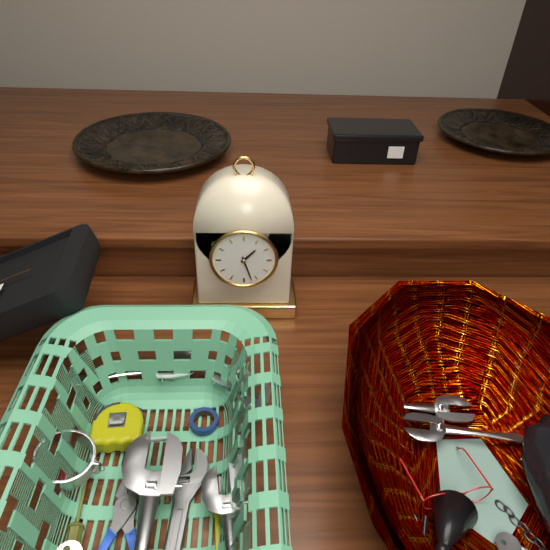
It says 1:27
